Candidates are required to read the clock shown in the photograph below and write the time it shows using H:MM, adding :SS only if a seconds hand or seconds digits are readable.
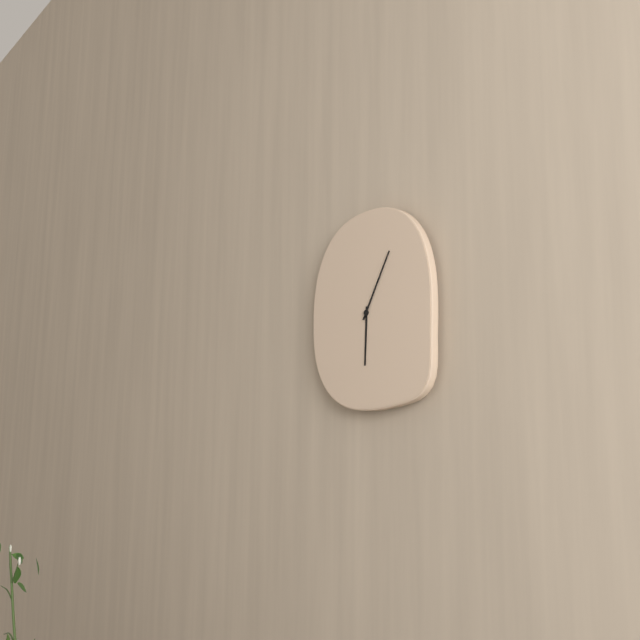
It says 6:05
